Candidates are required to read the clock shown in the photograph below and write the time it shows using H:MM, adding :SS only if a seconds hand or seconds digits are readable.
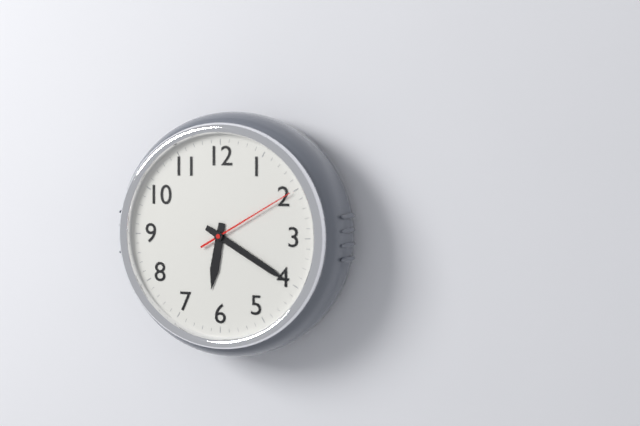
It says 6:20:10
